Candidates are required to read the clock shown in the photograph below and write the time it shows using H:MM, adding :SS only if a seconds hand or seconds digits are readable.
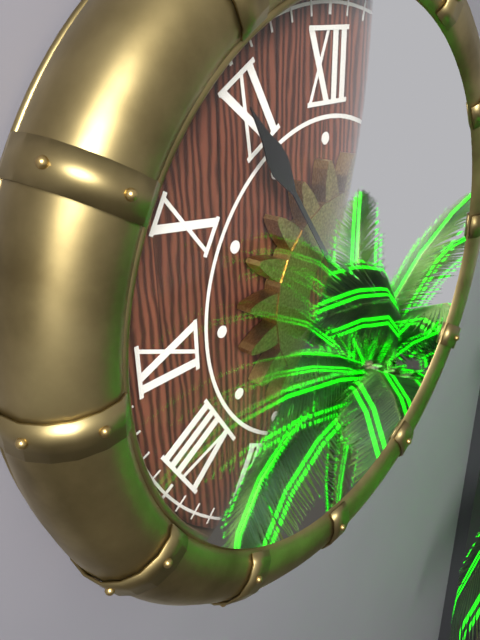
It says 5:54
